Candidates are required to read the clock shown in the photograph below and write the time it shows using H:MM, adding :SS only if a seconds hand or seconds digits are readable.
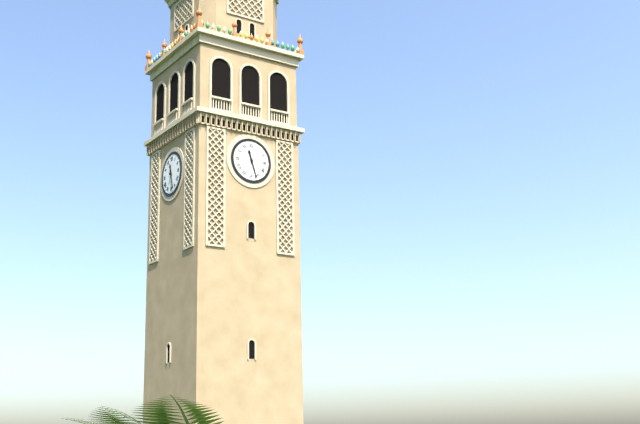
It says 11:27
